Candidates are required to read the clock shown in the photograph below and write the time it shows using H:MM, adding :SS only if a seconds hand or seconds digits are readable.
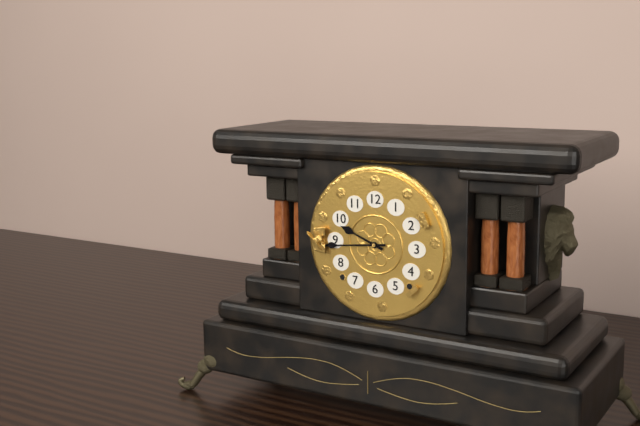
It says 9:44
